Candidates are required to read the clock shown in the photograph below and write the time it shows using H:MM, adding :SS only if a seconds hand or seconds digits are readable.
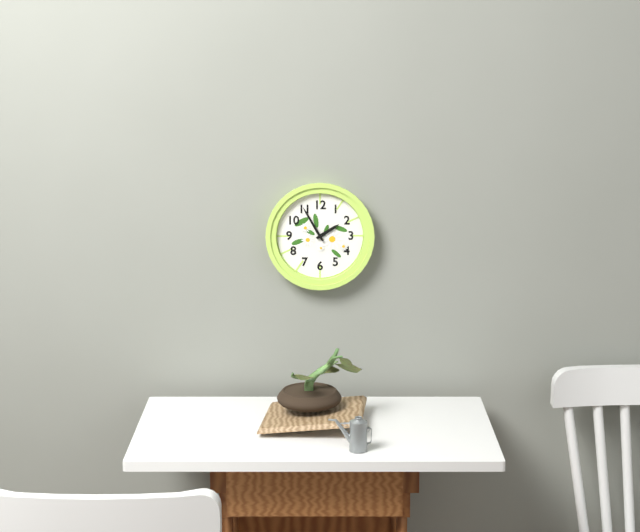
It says 1:55
